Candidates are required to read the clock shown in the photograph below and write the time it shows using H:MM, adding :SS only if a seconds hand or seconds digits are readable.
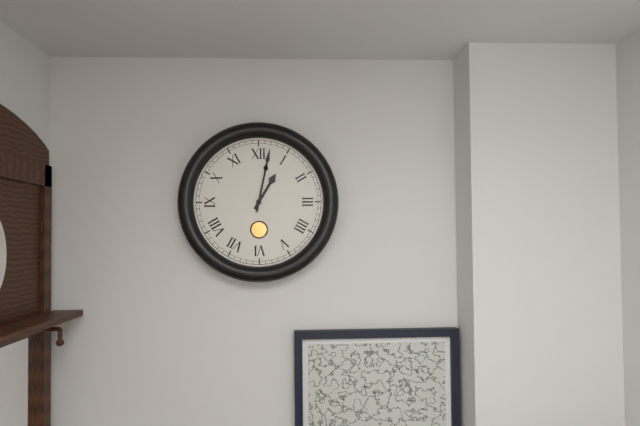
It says 1:02
